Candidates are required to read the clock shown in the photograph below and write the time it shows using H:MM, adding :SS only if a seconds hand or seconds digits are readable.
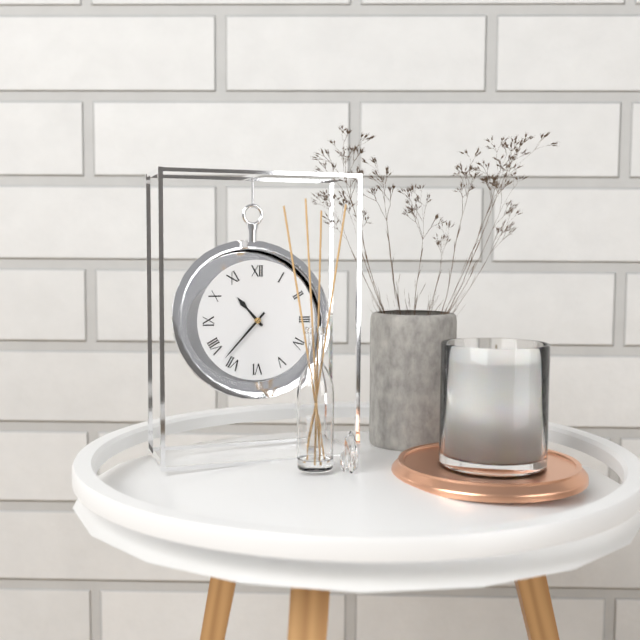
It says 10:37
